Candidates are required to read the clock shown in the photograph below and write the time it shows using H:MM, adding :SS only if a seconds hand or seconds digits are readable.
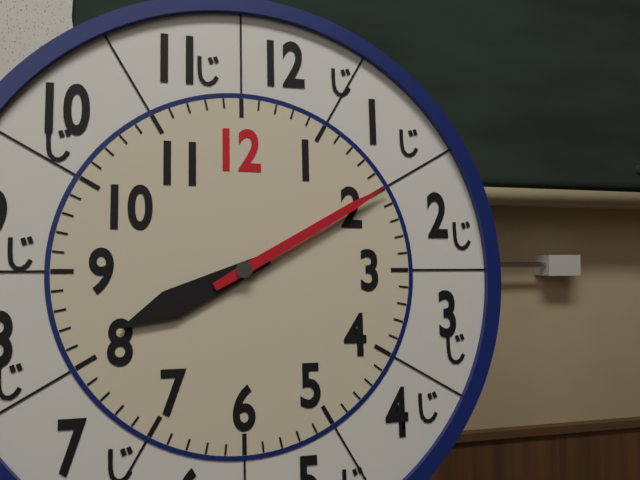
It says 8:10
